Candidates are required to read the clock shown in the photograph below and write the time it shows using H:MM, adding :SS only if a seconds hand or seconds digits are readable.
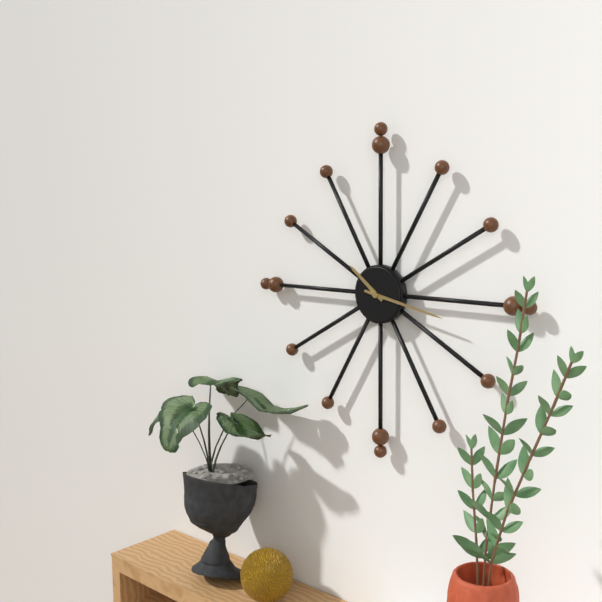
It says 10:17
